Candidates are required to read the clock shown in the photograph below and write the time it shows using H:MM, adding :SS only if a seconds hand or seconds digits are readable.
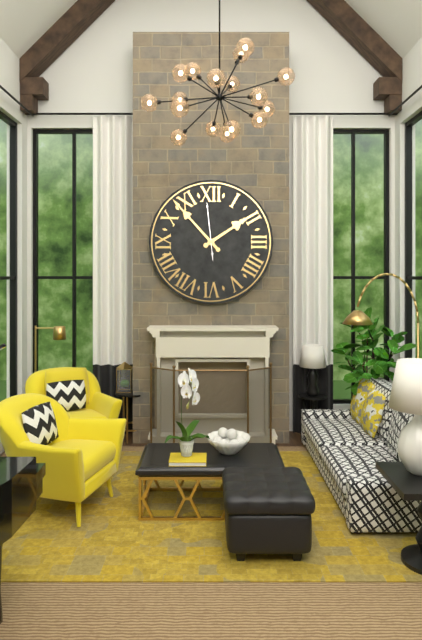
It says 1:53
